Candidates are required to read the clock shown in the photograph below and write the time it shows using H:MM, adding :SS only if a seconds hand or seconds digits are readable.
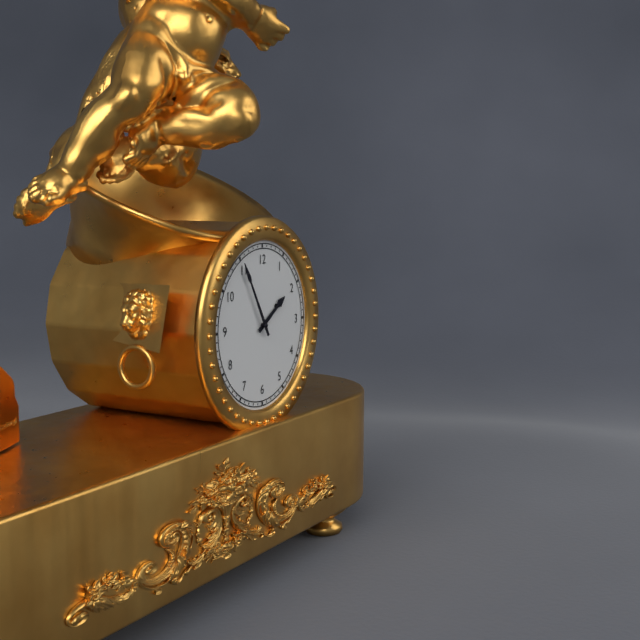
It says 1:55
